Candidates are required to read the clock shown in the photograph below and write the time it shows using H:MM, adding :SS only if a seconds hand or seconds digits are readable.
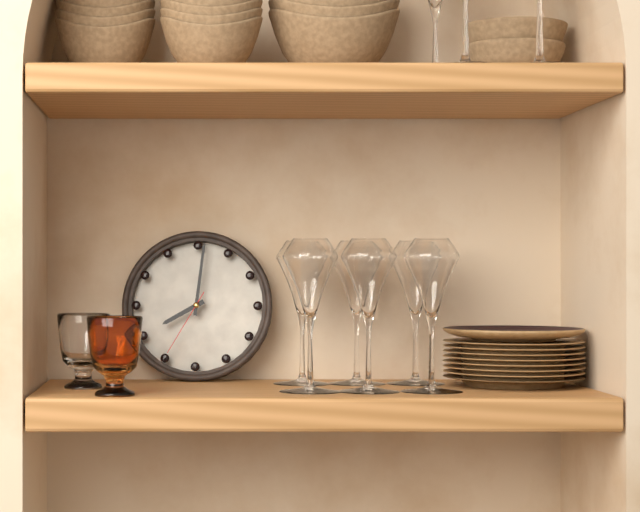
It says 8:01:35
